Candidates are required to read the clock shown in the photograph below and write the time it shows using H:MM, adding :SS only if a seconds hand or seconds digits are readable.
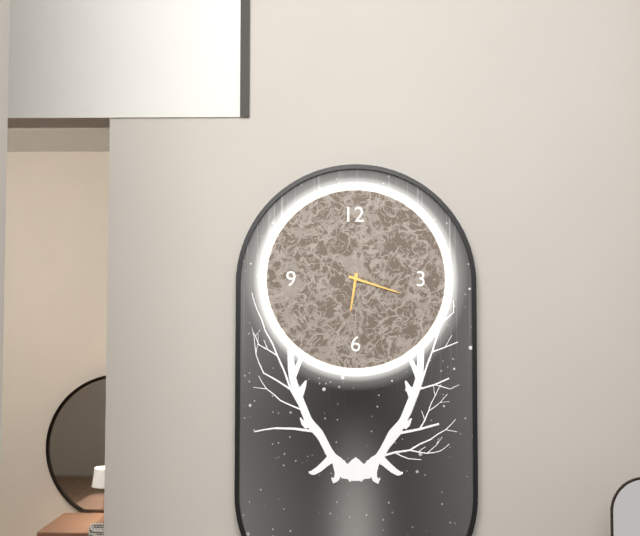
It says 6:18
